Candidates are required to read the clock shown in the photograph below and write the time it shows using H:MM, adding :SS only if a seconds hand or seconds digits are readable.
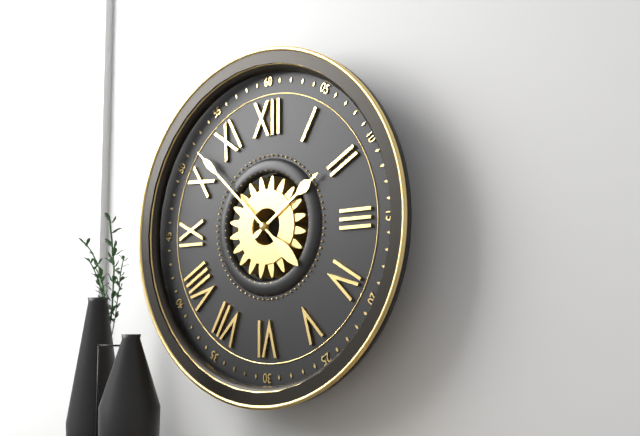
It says 1:52
